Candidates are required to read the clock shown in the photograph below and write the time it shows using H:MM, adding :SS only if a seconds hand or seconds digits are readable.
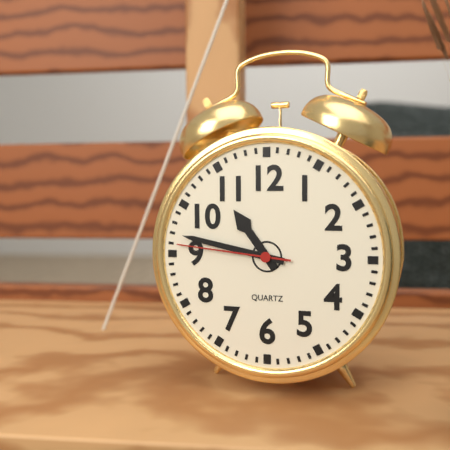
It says 10:47:46
